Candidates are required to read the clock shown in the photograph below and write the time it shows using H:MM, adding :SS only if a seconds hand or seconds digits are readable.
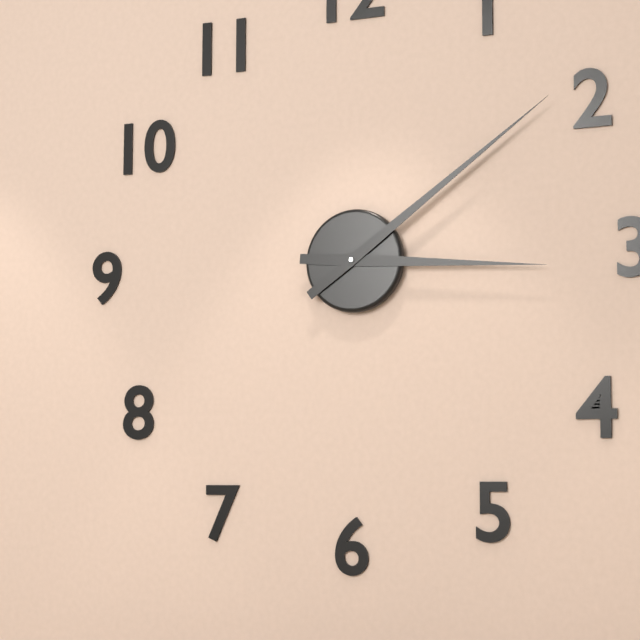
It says 3:09
